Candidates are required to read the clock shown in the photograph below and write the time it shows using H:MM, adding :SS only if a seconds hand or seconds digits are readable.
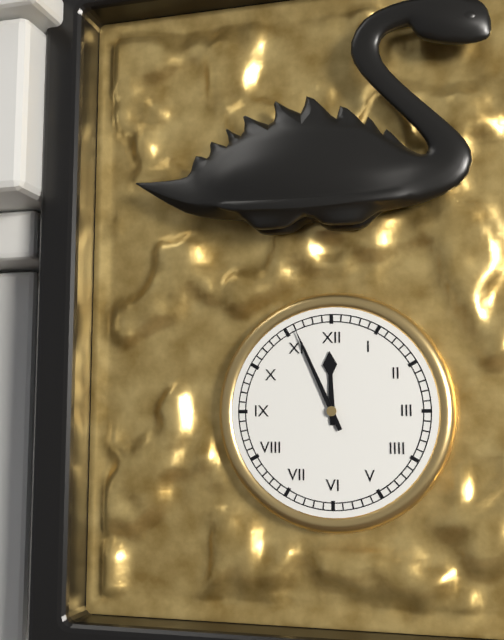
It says 11:56
